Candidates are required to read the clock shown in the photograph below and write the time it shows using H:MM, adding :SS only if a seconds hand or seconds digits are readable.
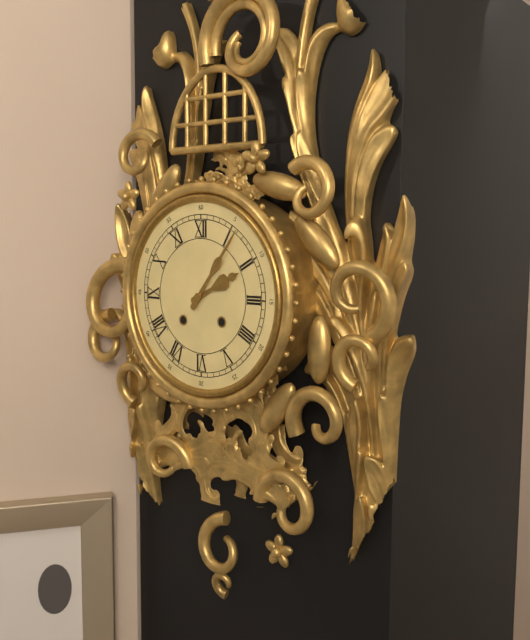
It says 2:06
